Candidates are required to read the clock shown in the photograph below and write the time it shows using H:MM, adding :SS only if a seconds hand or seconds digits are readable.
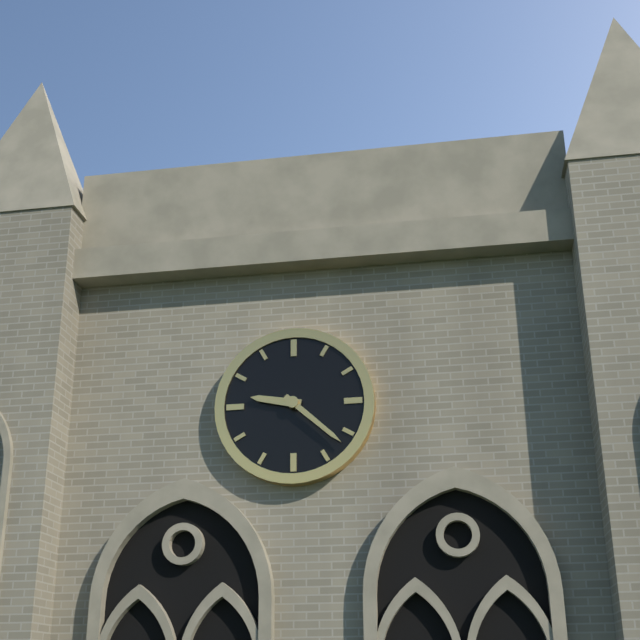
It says 9:22
